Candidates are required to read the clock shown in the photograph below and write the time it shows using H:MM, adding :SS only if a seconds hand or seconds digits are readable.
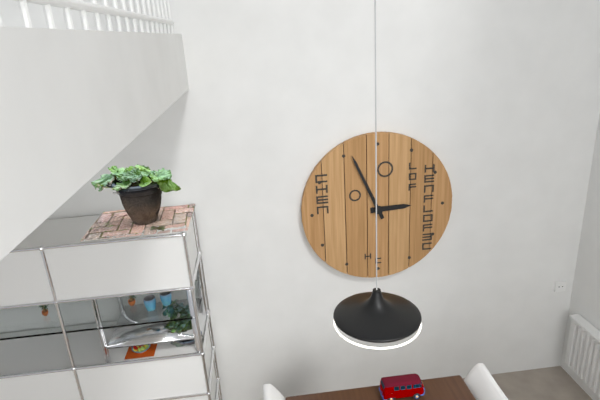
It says 2:56
